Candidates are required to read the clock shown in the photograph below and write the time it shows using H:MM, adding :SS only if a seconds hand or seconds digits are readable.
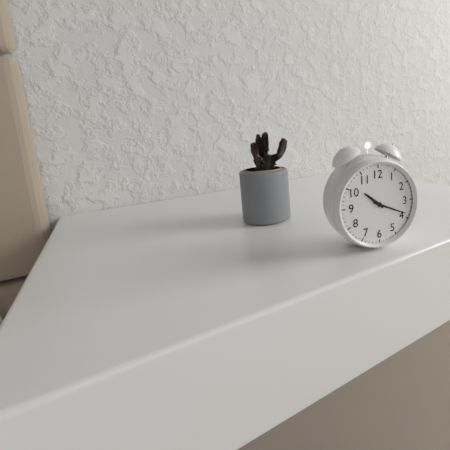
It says 10:19
